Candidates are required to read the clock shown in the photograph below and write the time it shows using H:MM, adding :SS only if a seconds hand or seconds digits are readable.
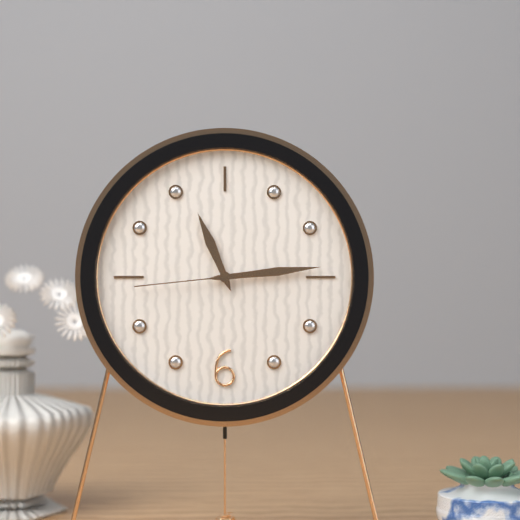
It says 11:14:44
